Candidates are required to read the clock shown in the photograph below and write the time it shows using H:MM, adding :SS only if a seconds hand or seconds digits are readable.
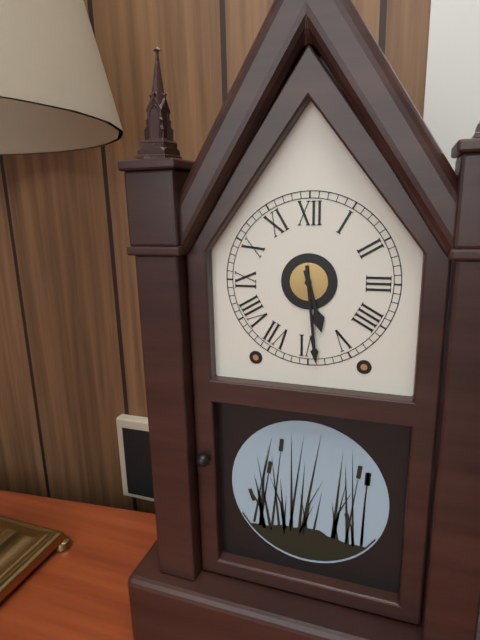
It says 5:29
